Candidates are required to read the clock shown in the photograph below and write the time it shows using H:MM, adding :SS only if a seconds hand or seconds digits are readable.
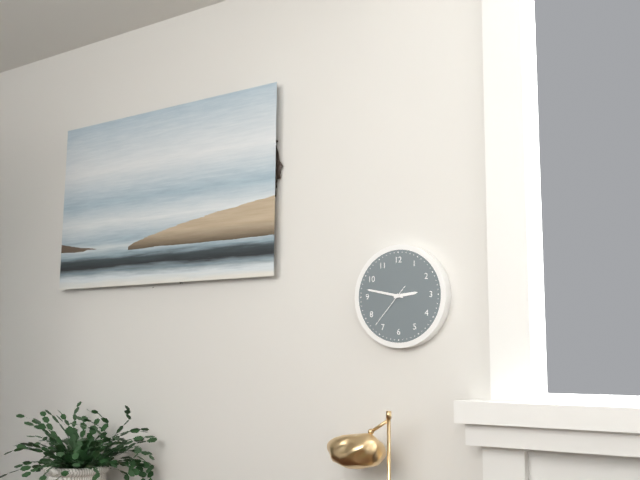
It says 2:47
